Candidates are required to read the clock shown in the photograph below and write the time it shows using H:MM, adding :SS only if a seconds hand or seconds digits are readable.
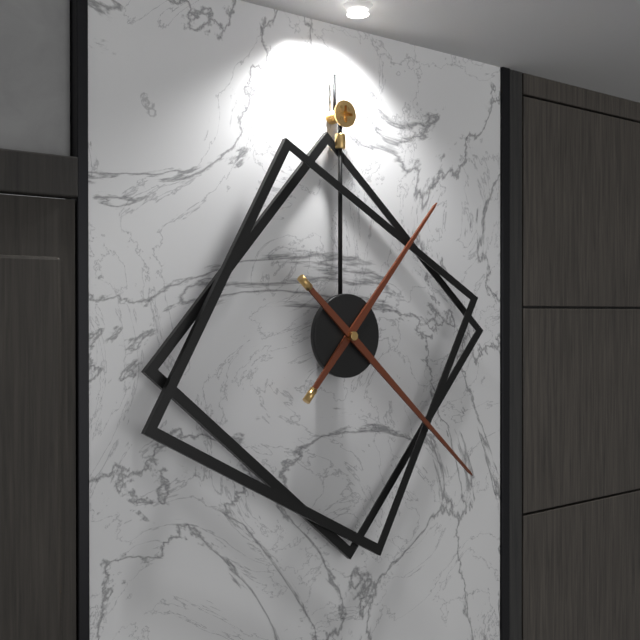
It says 1:22
